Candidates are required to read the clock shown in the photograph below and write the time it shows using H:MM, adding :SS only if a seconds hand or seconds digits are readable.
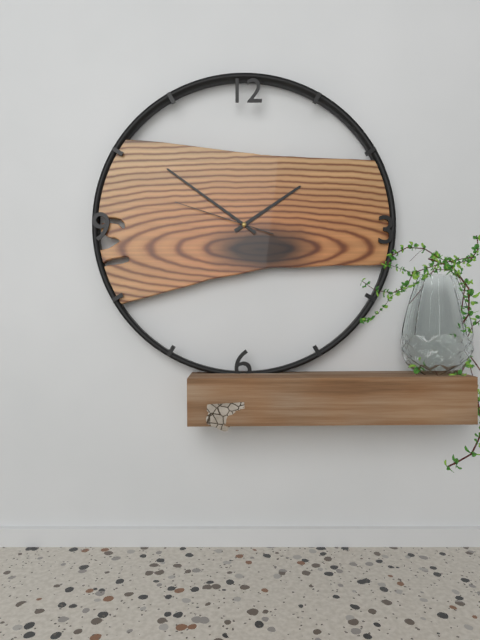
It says 1:51:48
